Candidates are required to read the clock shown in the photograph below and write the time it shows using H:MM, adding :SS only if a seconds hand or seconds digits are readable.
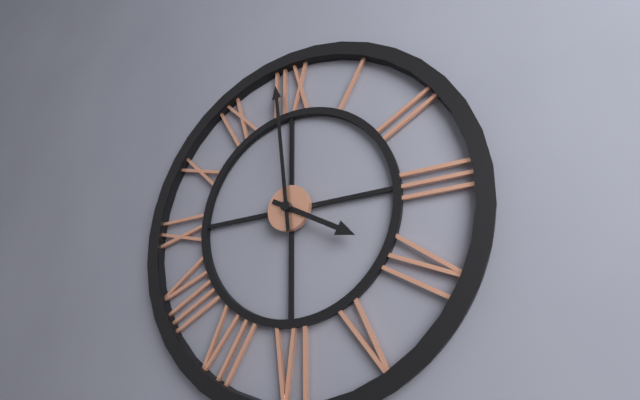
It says 3:59
